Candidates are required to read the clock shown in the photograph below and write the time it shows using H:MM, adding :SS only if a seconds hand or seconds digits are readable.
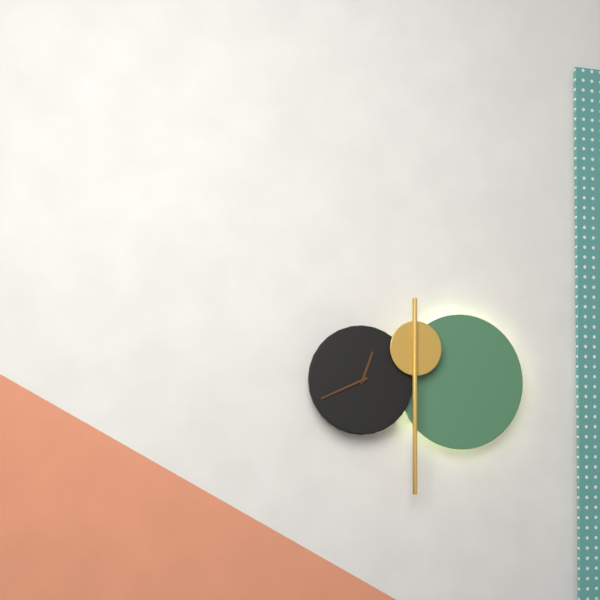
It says 12:41
